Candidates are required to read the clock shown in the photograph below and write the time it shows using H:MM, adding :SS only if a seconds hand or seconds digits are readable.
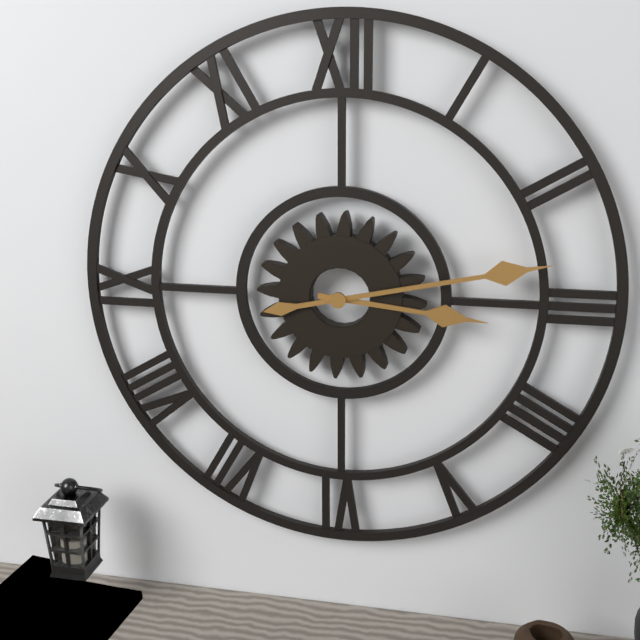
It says 3:13
